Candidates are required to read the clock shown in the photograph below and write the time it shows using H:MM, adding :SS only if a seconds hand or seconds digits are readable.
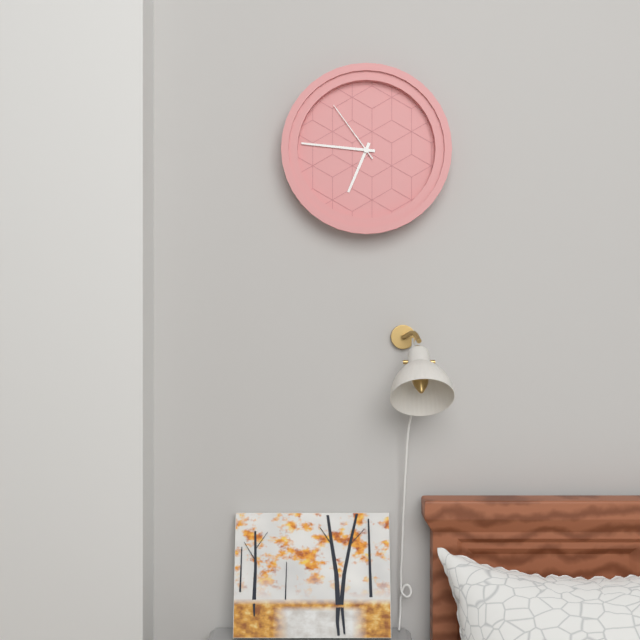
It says 6:46:54
